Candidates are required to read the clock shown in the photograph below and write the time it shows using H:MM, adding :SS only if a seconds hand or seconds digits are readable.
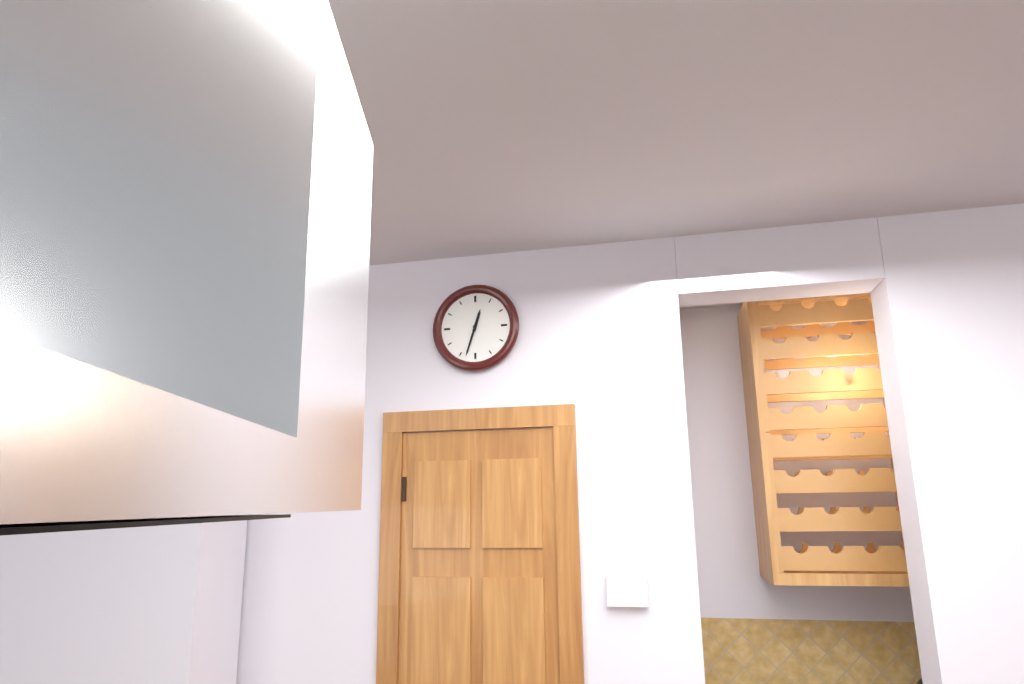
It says 12:33
